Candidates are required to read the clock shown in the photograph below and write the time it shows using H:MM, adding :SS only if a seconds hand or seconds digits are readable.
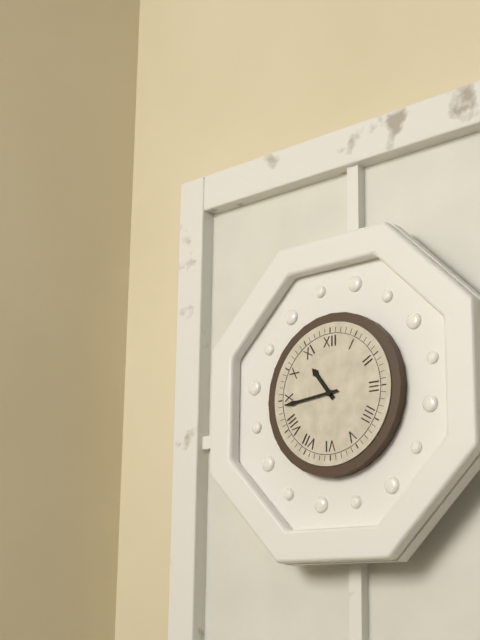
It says 10:44
